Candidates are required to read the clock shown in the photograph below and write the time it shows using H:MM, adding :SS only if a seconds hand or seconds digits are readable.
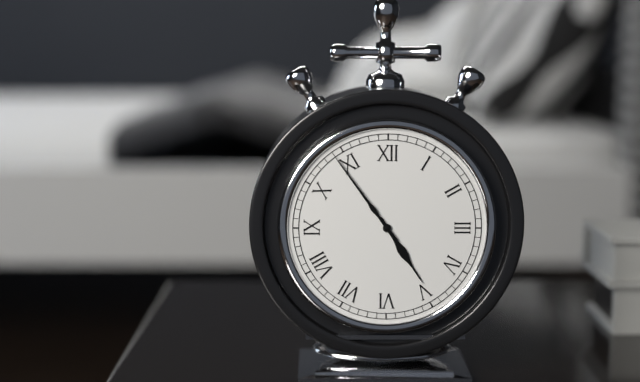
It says 4:54
